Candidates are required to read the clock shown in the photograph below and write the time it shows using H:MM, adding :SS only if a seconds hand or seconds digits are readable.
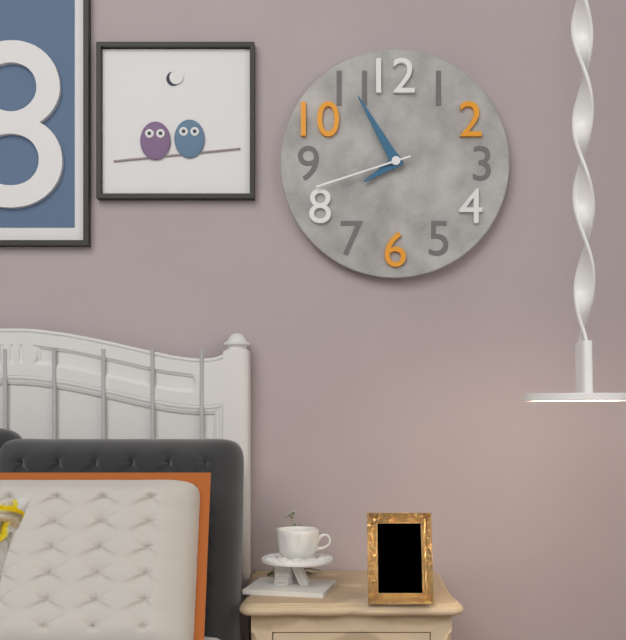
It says 7:55:42
